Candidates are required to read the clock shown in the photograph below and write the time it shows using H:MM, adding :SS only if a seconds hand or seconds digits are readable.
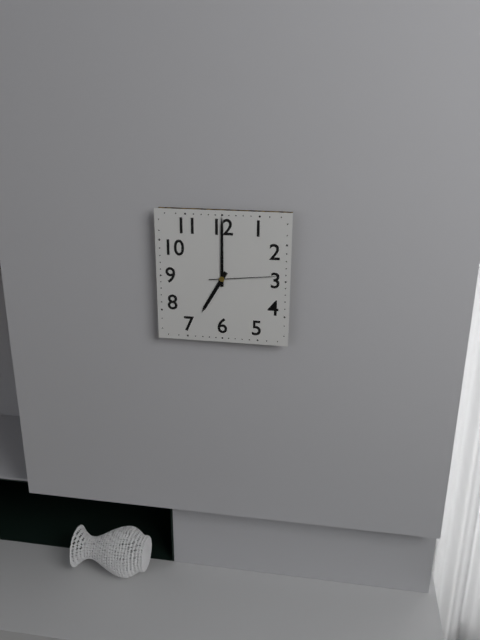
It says 7:00:14
